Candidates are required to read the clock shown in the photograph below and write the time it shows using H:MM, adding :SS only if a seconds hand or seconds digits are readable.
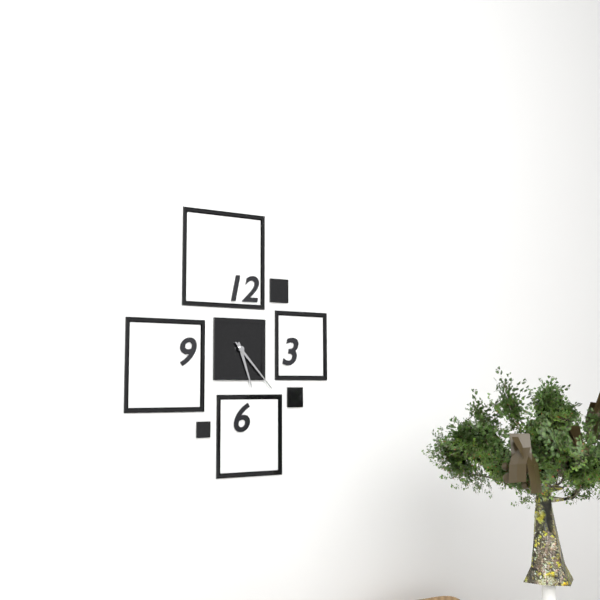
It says 5:23
